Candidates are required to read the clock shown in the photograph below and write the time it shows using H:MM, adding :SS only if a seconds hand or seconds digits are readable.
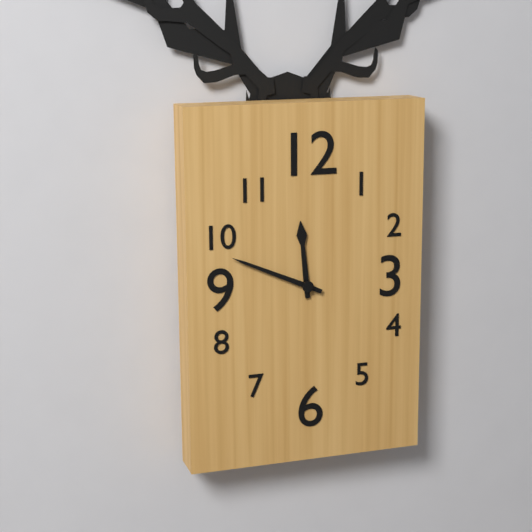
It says 11:49
